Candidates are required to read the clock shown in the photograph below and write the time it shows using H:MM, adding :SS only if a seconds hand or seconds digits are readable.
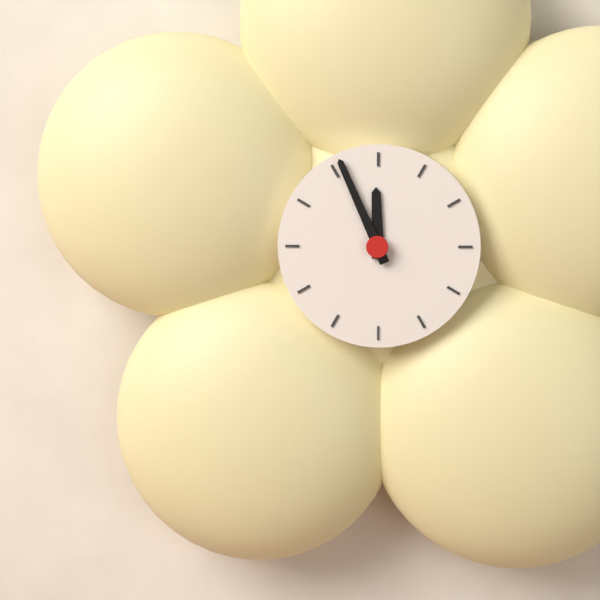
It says 11:56
